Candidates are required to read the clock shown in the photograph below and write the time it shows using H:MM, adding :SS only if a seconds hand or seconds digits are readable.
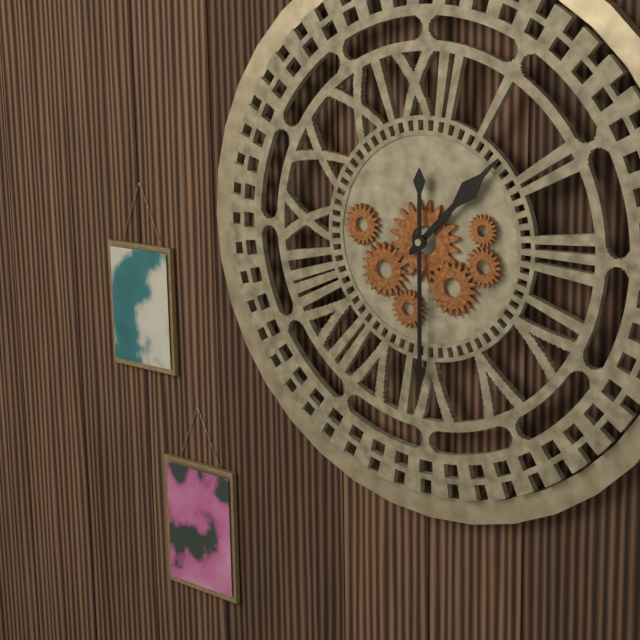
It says 1:30
